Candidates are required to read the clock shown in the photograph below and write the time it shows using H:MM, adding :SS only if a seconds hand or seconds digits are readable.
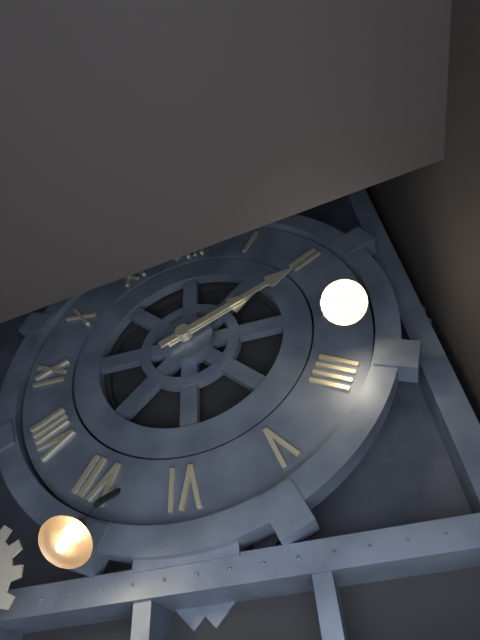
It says 2:11
